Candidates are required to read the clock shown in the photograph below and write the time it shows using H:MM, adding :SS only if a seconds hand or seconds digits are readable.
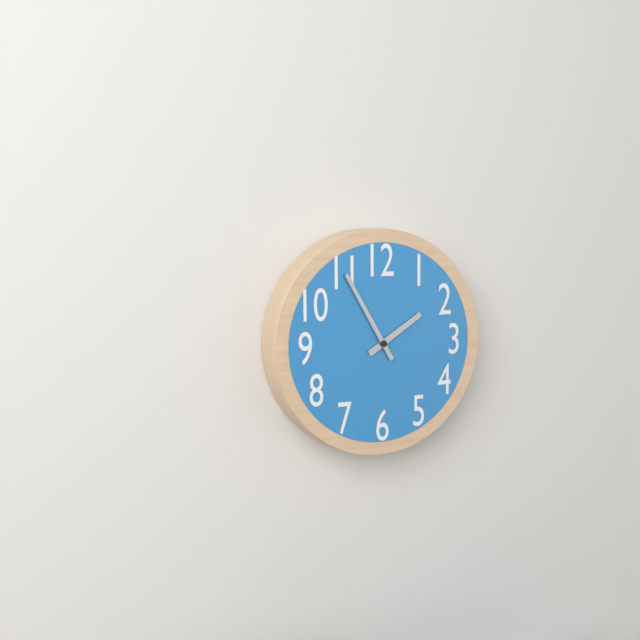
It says 1:55
